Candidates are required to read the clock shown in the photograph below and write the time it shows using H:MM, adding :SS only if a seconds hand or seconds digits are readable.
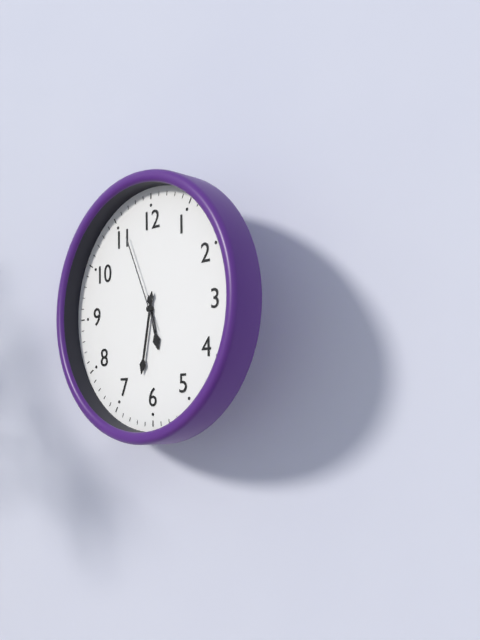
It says 5:32:56
